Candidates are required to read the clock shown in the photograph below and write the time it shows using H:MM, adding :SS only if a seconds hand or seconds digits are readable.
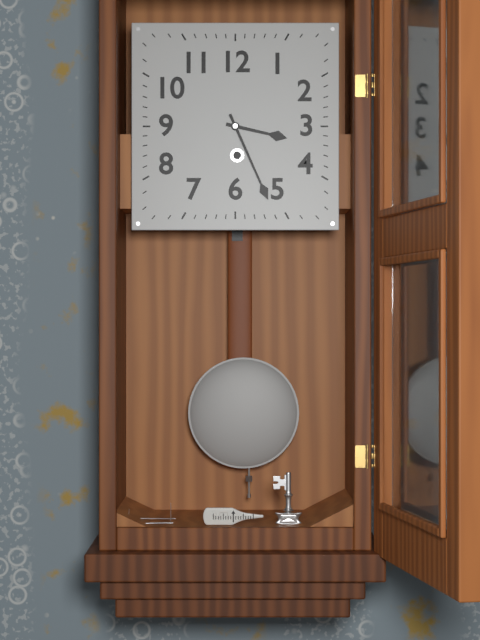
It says 3:26
